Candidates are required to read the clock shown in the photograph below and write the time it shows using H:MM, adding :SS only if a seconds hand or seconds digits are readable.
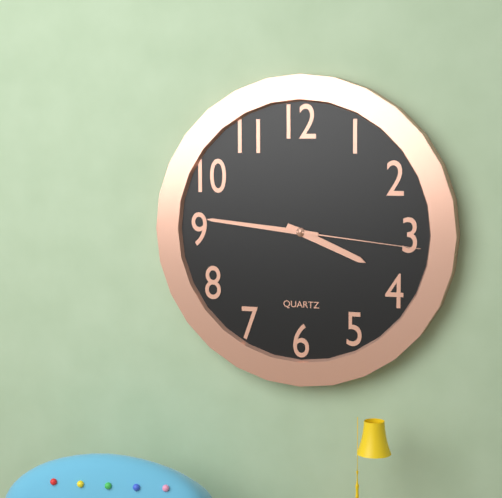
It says 3:46:16
